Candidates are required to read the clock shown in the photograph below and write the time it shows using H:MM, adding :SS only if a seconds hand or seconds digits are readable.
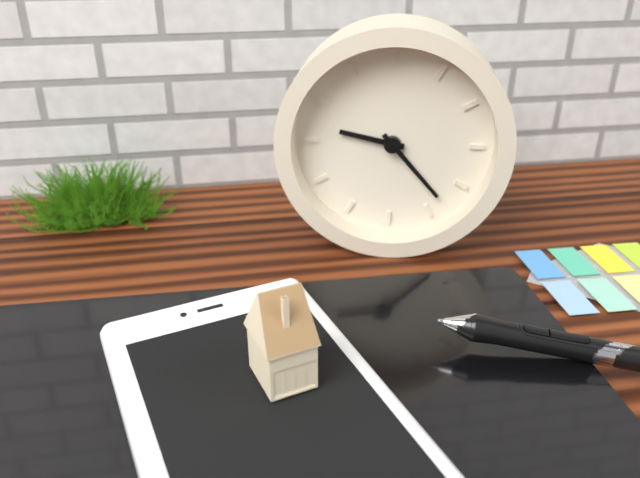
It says 9:23
